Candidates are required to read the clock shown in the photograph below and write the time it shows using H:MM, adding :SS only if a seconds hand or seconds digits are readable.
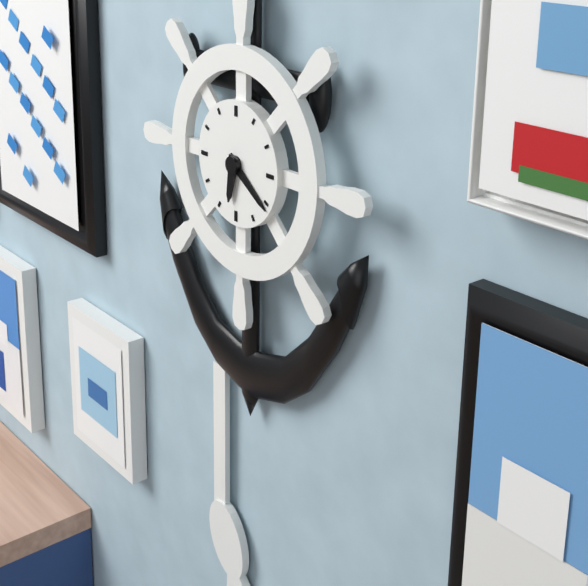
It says 6:21
